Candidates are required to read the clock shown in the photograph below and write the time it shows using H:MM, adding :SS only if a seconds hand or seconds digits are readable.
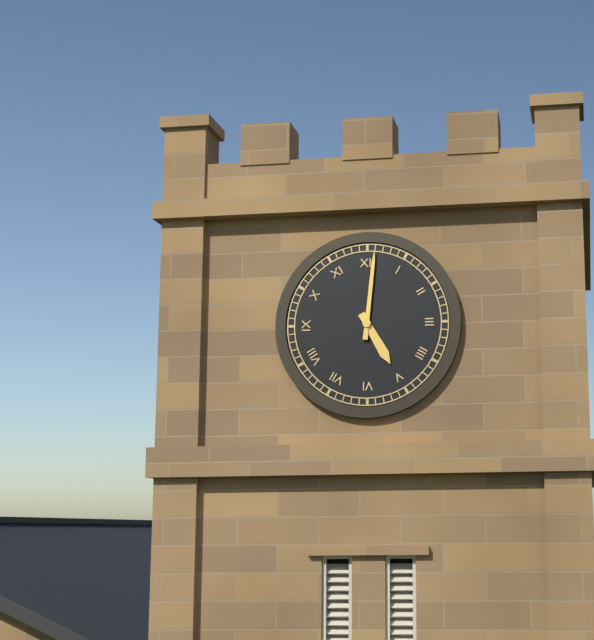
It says 5:01
